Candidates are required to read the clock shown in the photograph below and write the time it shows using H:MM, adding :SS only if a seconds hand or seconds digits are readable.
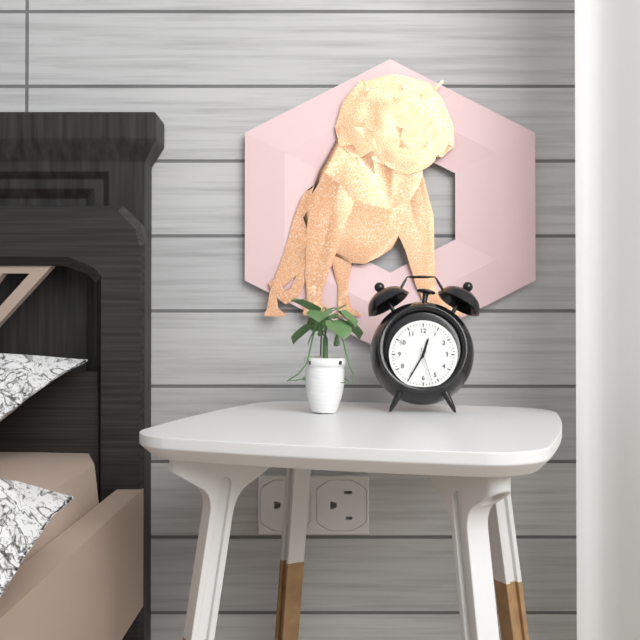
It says 12:35
